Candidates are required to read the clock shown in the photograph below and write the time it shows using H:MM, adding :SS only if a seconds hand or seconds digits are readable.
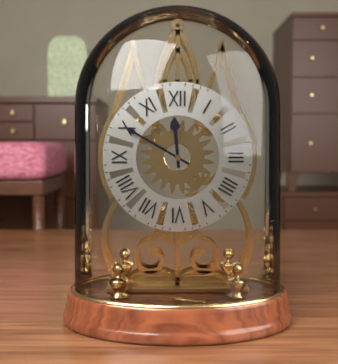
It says 11:50
